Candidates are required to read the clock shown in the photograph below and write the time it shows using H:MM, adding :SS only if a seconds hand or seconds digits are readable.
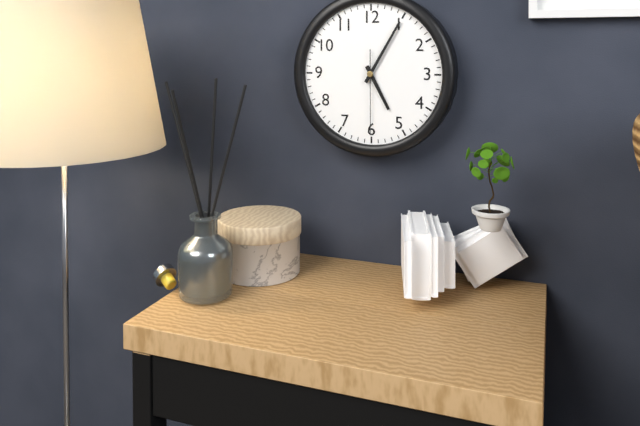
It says 5:05:30
